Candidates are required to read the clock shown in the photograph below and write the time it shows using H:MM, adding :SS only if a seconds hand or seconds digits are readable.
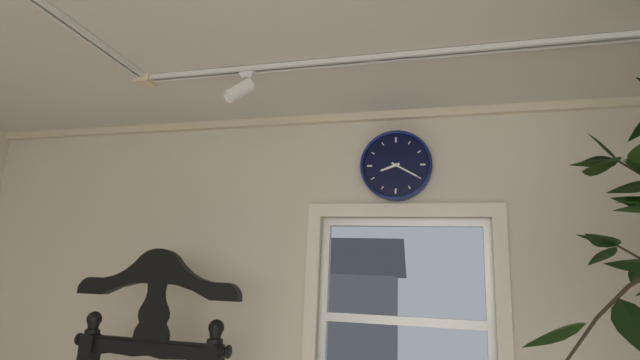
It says 8:20
